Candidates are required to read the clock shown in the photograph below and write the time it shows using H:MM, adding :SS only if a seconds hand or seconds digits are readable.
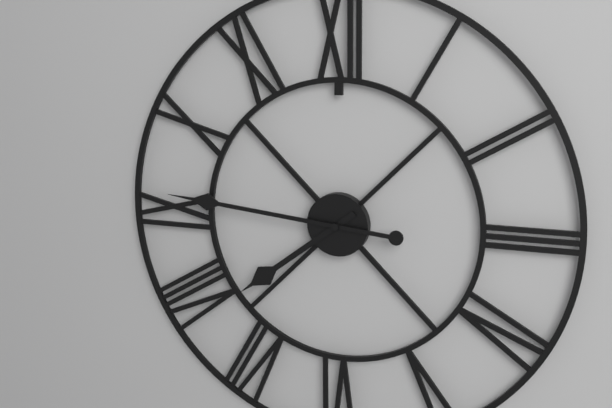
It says 7:46
